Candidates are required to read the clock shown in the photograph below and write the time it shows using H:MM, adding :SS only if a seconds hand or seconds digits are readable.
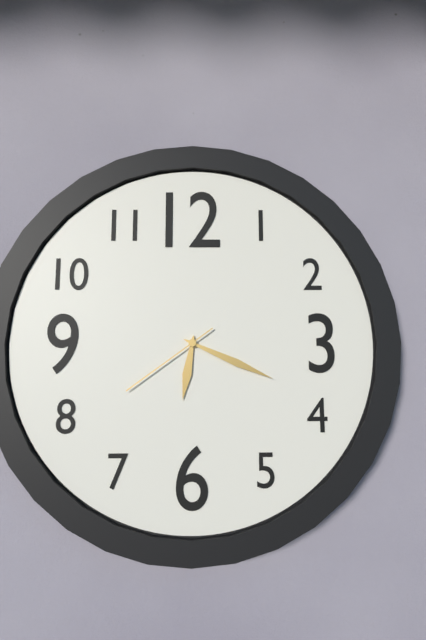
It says 6:19:39
